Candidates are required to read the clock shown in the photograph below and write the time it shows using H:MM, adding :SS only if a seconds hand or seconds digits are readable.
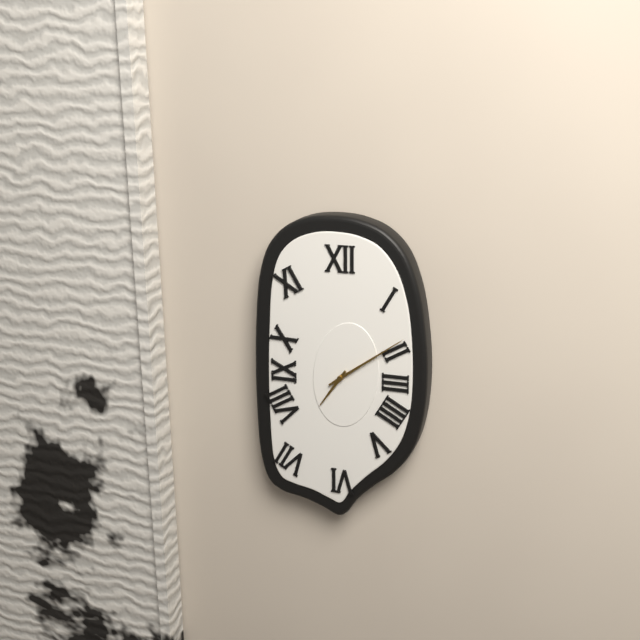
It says 7:09
